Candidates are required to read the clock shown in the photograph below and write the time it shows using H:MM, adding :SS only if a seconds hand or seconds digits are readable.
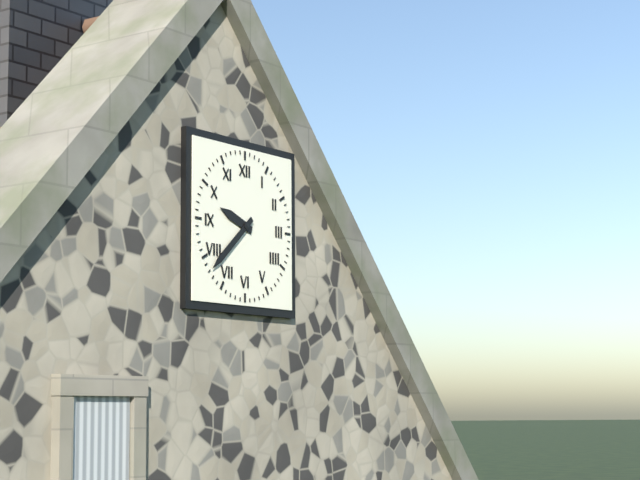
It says 9:38
